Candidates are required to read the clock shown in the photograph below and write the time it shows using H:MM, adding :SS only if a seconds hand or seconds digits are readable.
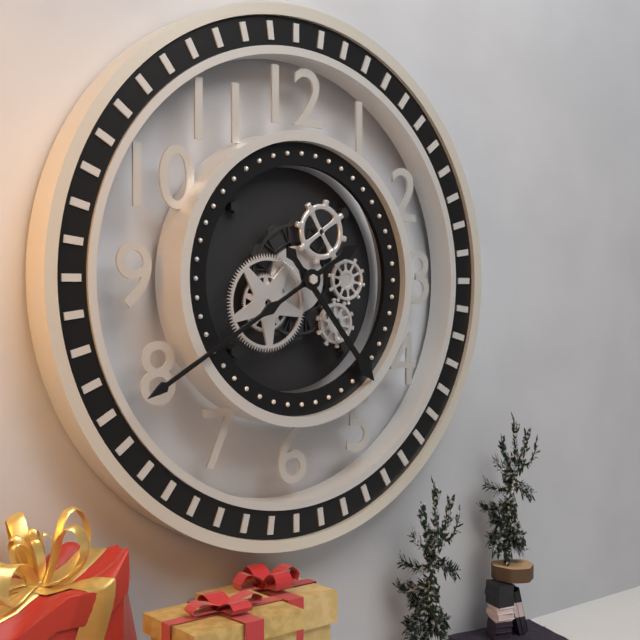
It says 4:40
